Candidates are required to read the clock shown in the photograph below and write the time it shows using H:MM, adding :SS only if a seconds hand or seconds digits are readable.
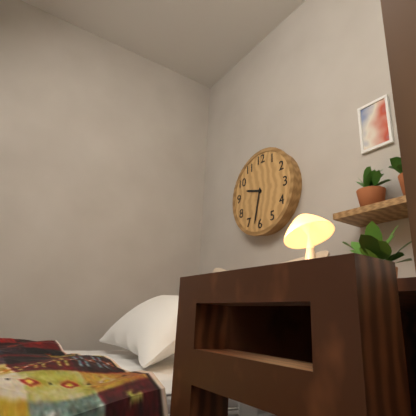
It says 9:32
